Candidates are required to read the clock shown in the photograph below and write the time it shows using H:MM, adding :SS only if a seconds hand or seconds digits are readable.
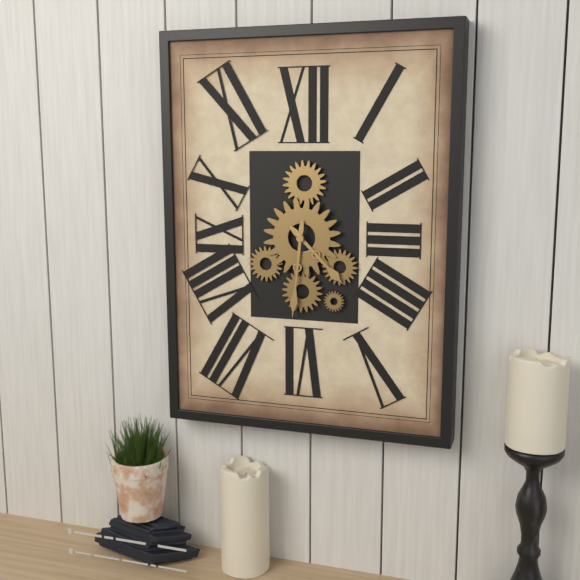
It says 4:31
